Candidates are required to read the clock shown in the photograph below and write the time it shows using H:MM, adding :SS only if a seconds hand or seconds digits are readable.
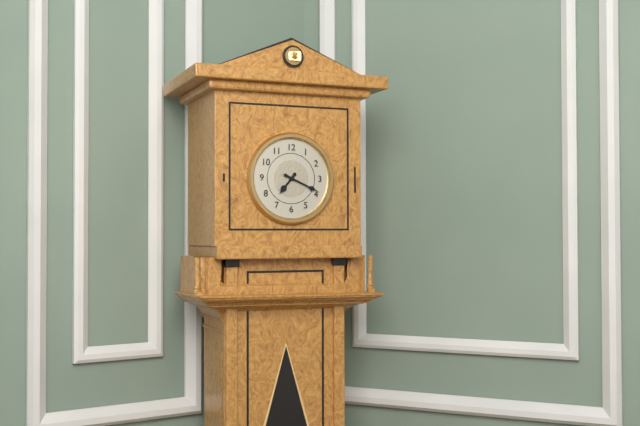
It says 7:19
